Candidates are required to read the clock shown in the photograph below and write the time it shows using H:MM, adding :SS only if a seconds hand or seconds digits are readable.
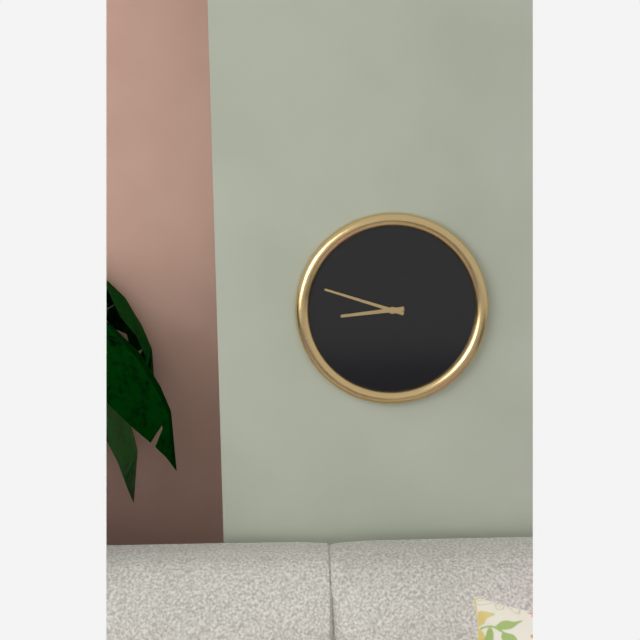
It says 8:48
